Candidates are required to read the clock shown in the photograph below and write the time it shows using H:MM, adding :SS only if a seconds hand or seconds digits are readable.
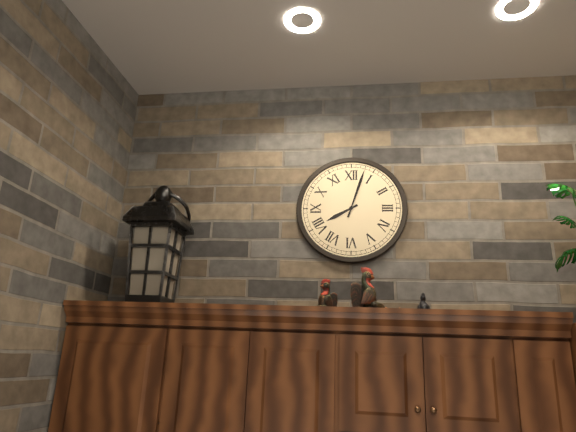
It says 8:03
